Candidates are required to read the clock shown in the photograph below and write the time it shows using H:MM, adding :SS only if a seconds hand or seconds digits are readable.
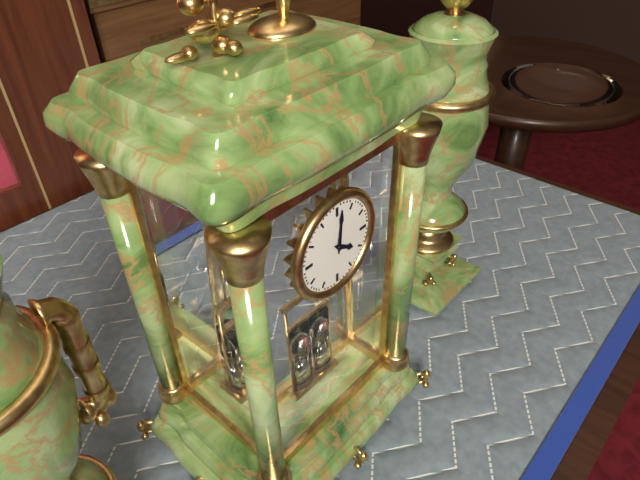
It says 4:01
